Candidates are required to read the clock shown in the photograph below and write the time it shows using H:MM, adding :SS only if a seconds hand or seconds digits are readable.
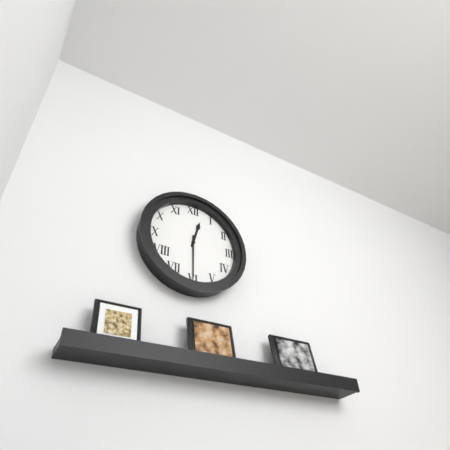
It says 12:30
